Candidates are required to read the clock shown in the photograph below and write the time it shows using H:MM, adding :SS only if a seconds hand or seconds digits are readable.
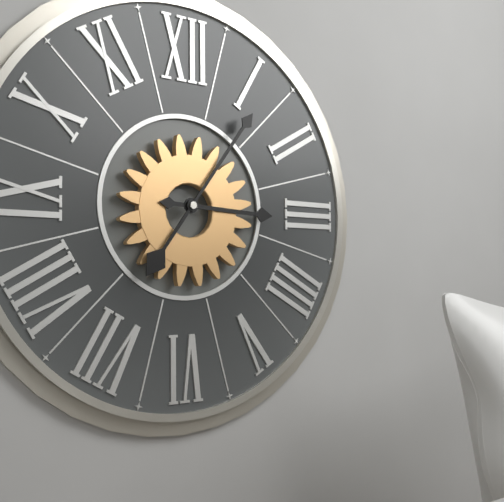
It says 3:06
